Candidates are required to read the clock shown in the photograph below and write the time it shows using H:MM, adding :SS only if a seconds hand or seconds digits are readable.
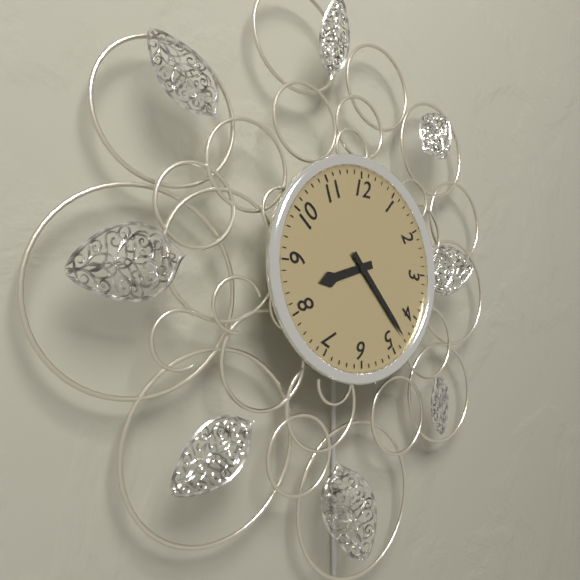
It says 8:23
